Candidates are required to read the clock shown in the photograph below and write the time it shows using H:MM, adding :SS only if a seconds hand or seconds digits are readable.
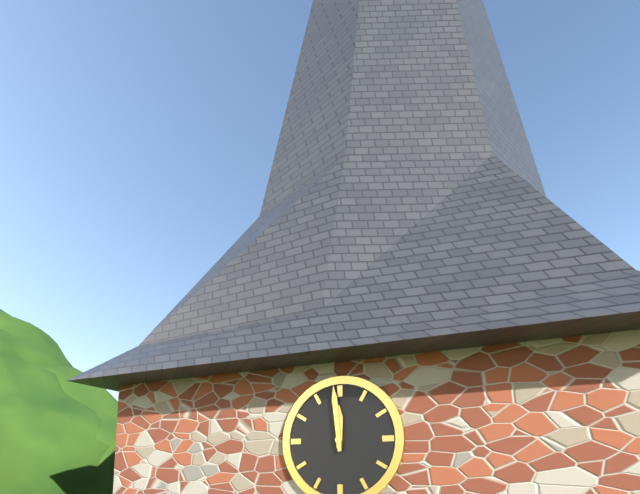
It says 11:59
